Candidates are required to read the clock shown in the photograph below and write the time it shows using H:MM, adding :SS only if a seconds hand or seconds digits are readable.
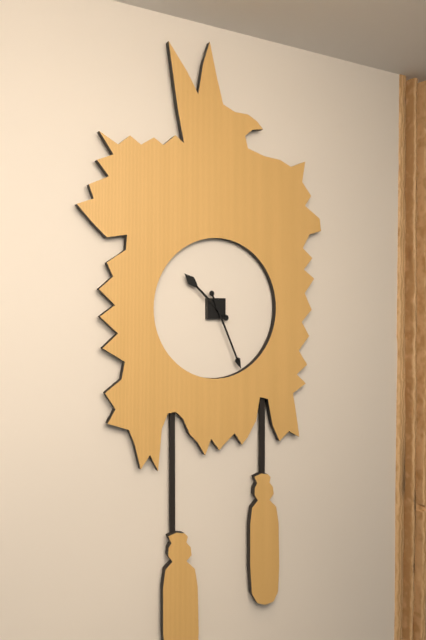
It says 10:26
